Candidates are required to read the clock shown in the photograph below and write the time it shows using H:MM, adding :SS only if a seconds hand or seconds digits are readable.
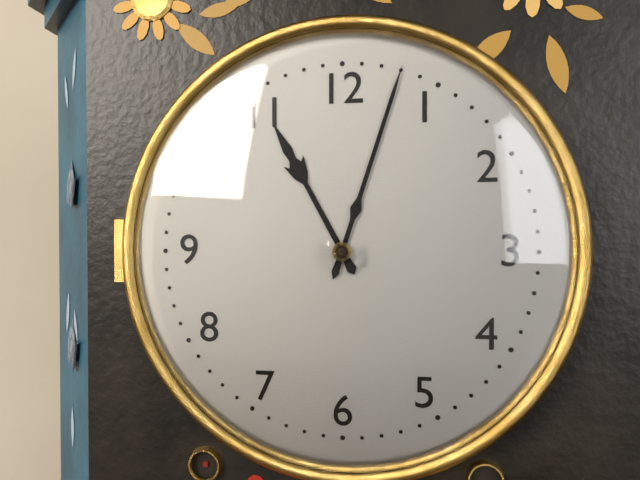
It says 11:03
